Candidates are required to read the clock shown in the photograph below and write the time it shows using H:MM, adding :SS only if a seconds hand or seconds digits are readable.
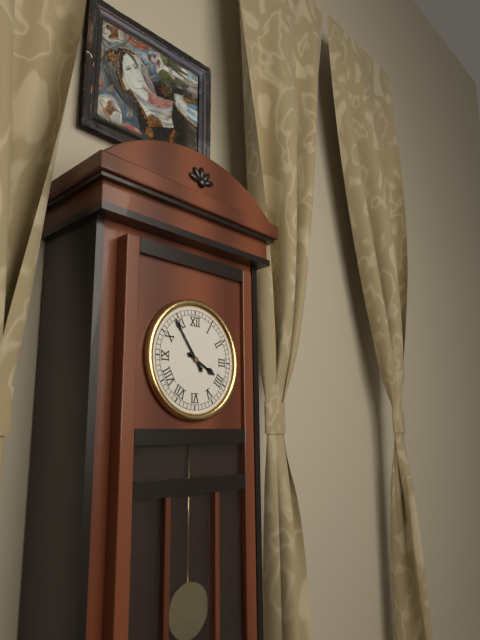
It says 3:54
